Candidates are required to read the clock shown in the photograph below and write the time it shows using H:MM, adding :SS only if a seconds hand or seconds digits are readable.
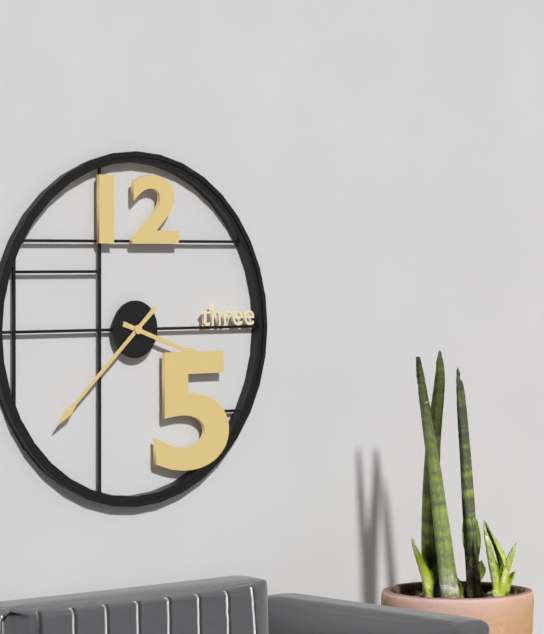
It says 3:38
